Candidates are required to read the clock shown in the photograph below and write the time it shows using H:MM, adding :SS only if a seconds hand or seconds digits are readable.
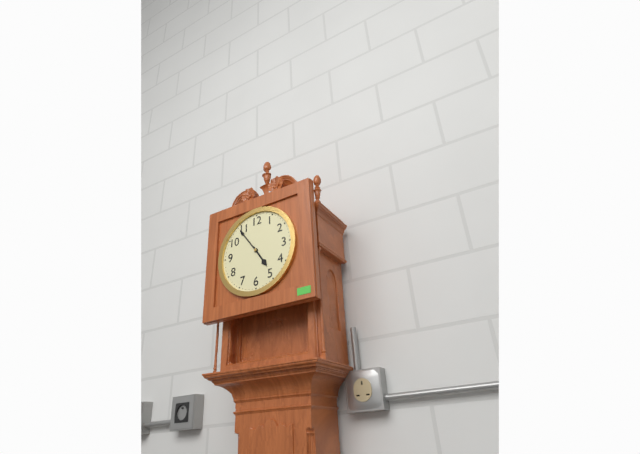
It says 4:54
